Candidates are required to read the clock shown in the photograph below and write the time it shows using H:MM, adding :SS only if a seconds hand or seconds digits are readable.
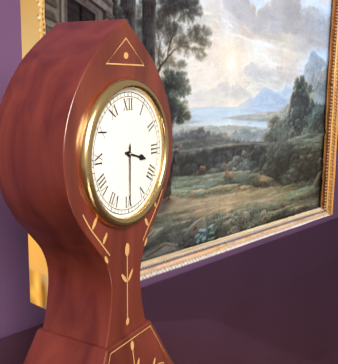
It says 3:30
